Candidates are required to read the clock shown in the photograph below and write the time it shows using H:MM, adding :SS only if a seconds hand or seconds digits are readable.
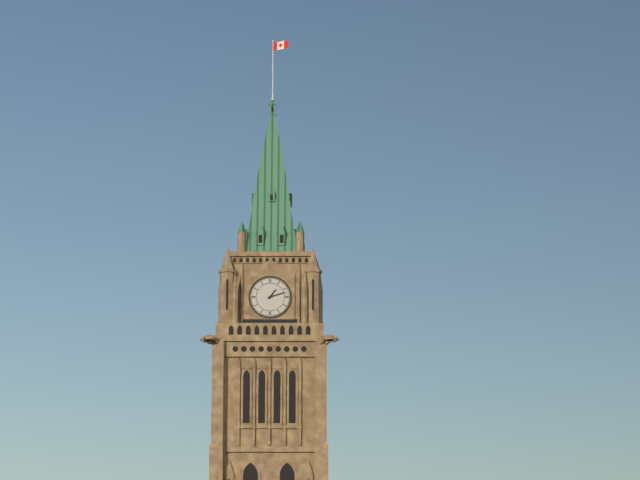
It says 1:12
